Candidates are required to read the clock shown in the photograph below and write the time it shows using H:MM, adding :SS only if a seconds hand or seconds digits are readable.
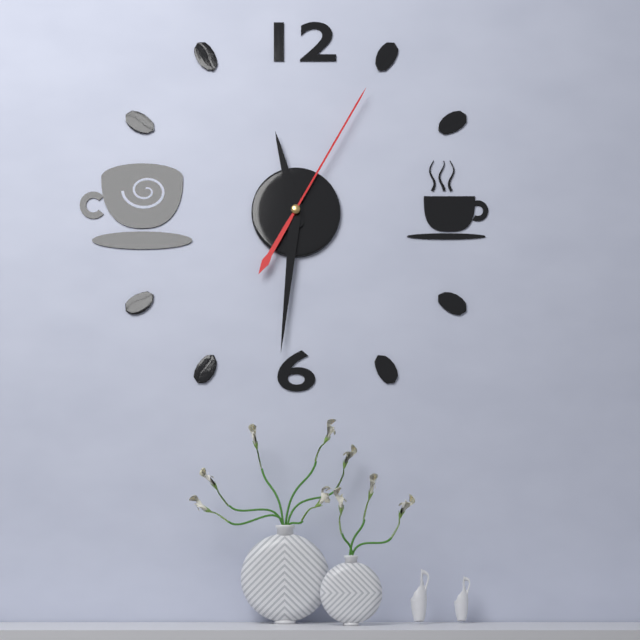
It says 11:31:05
